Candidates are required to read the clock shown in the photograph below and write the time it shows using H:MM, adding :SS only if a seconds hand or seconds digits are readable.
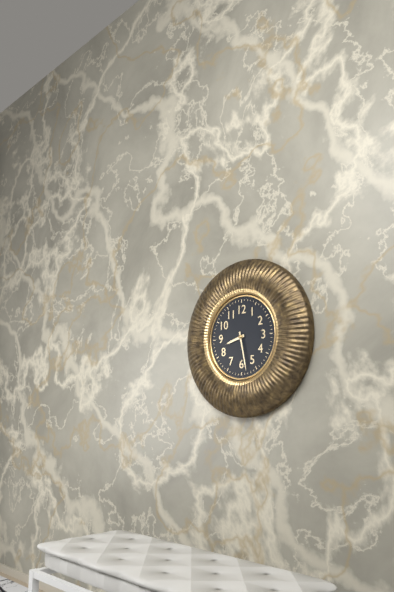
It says 8:28
